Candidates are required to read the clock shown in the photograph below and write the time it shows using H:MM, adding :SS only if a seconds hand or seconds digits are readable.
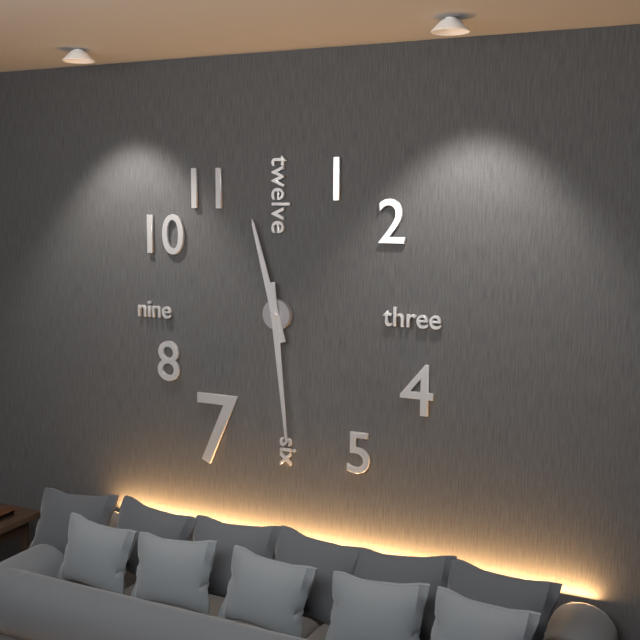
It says 11:29
